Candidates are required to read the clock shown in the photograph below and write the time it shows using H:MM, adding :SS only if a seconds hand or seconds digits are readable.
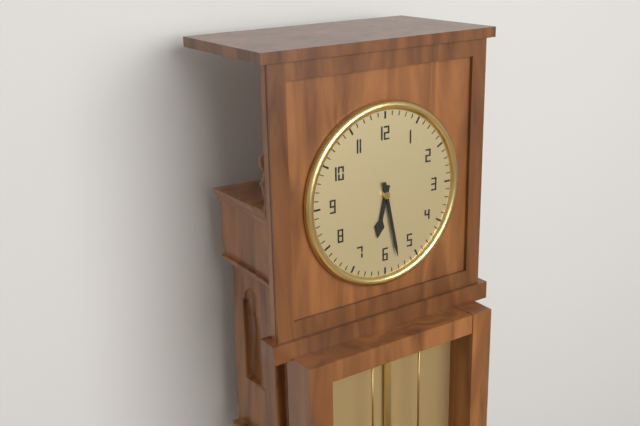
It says 6:28
